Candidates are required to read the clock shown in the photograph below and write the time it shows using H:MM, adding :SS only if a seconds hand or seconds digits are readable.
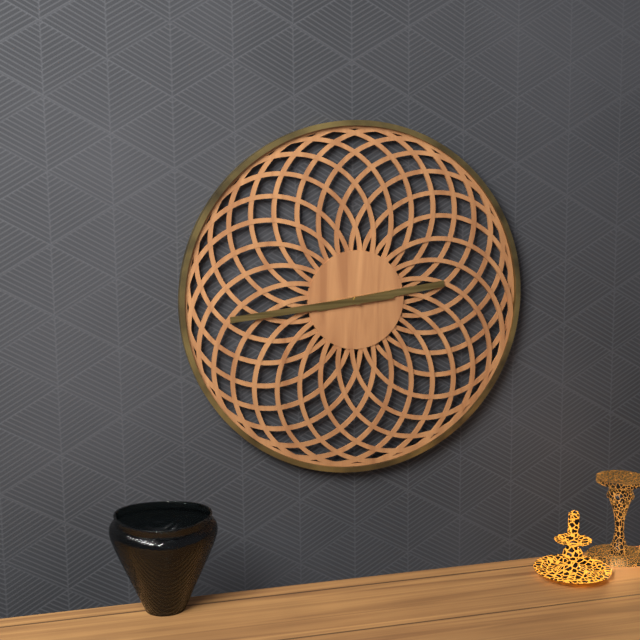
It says 2:44
